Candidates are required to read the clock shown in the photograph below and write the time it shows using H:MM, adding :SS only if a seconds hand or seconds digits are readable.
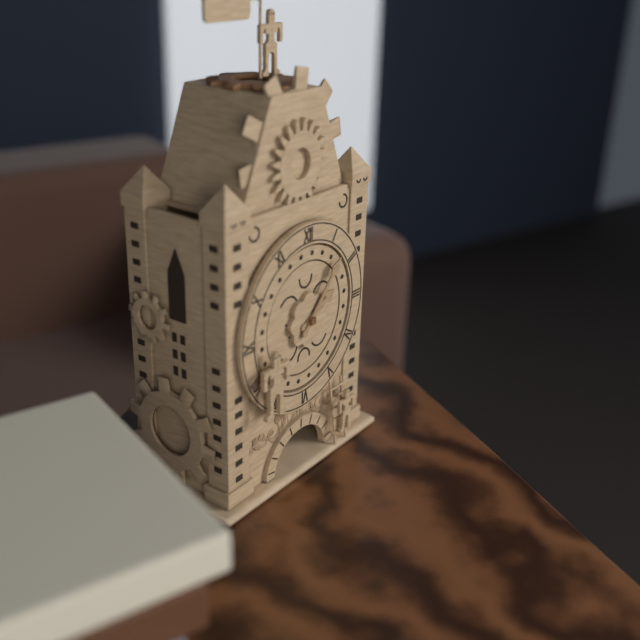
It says 2:07
